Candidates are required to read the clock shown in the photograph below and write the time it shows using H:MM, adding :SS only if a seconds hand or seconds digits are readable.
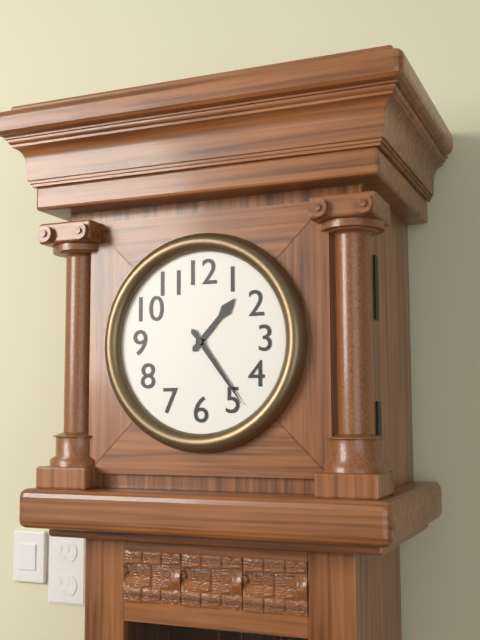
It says 1:24
